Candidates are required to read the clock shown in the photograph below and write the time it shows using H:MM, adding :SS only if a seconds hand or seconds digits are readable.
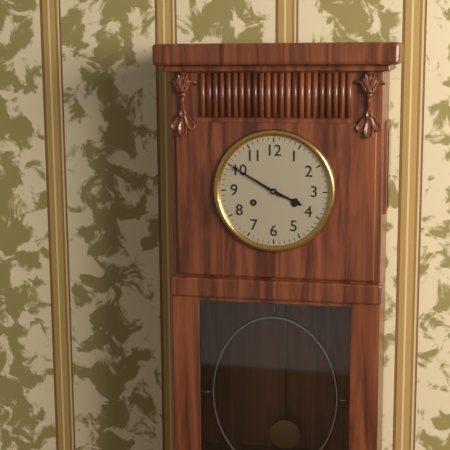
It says 3:50
